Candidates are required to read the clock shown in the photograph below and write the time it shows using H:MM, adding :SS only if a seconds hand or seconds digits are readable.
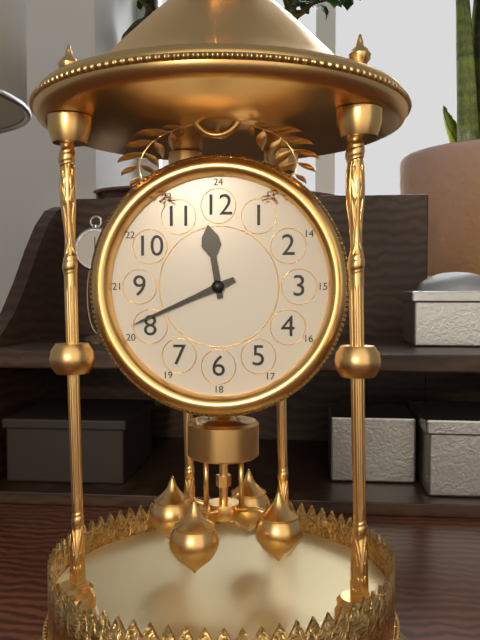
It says 11:41
